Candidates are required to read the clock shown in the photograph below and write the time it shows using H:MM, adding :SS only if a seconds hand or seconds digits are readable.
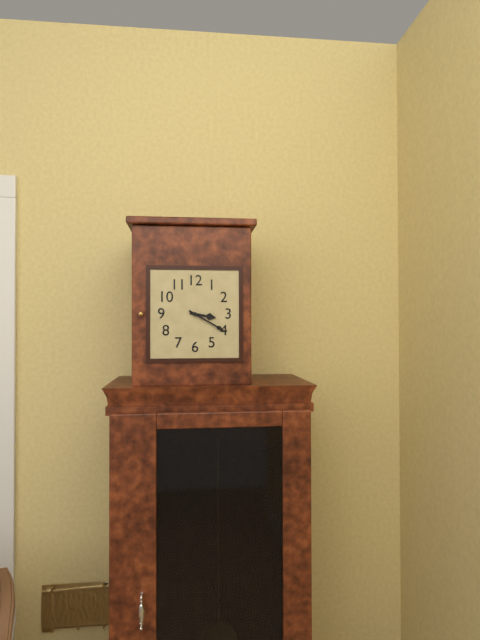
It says 3:20
